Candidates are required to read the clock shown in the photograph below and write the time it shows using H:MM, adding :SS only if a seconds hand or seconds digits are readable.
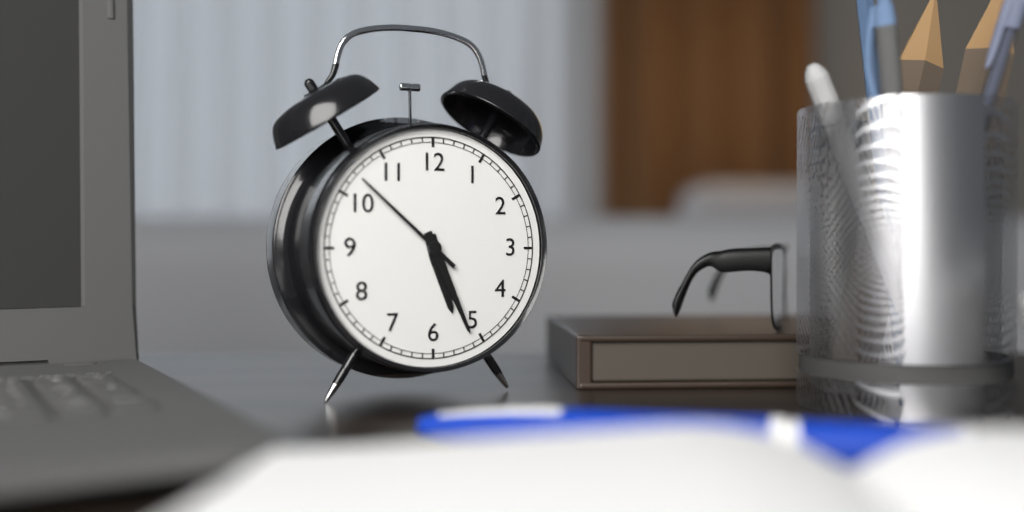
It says 5:26:52
